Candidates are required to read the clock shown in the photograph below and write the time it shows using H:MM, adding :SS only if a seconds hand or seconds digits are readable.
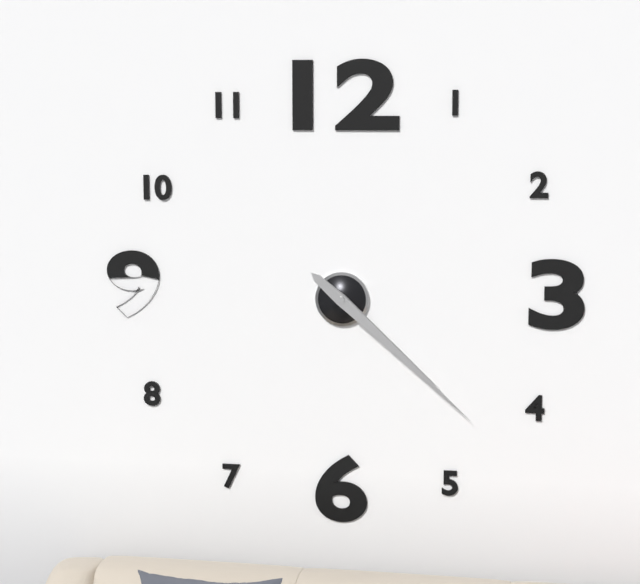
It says 4:22
